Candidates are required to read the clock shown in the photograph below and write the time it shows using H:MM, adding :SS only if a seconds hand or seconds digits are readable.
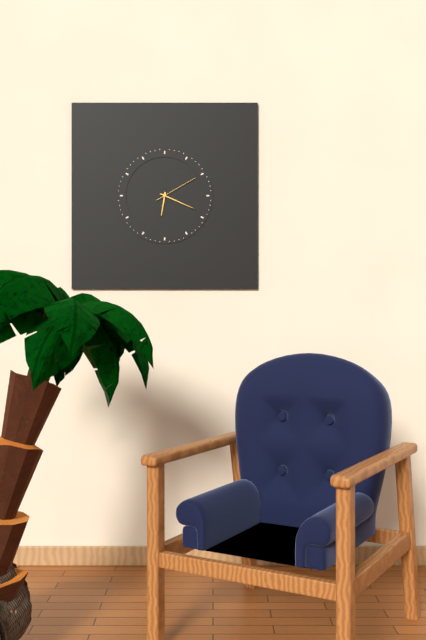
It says 6:19
